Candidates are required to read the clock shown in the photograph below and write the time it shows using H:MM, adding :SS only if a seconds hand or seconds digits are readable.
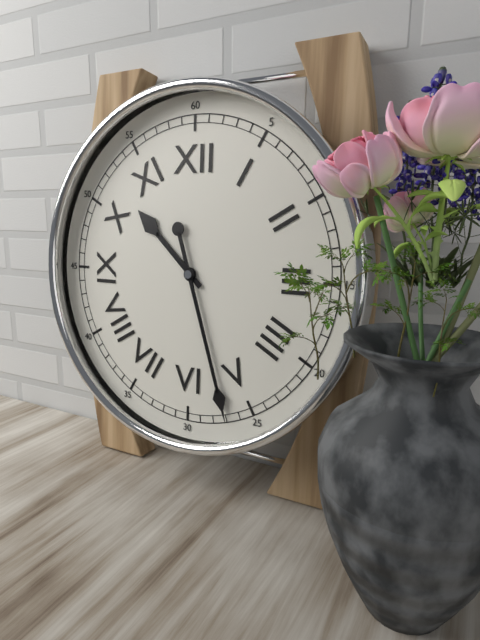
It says 10:27
